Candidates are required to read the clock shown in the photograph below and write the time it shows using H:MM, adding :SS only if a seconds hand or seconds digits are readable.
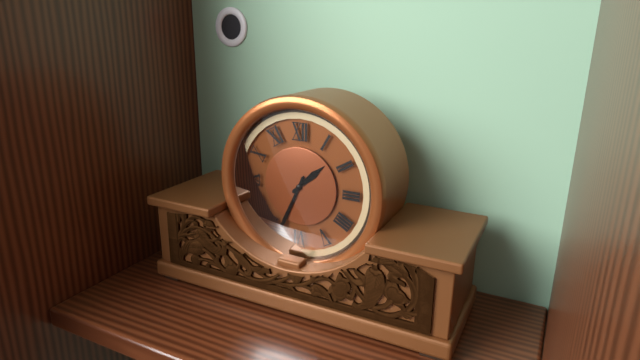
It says 1:34
